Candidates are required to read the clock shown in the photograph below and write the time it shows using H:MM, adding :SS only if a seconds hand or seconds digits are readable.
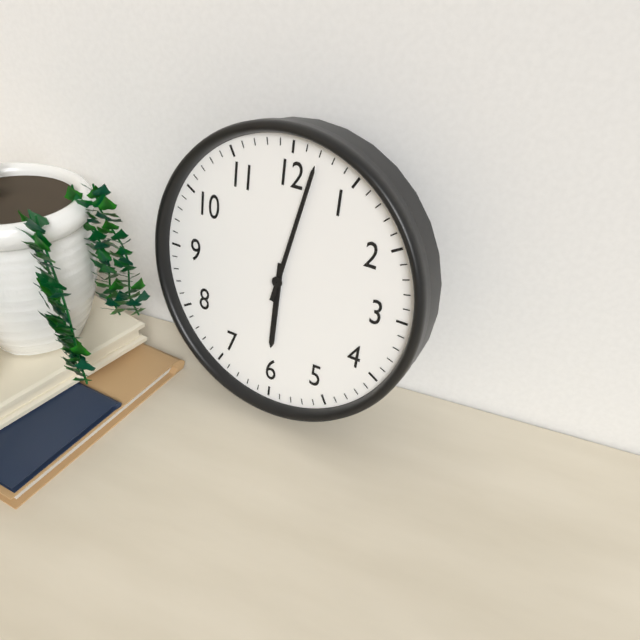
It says 6:02
